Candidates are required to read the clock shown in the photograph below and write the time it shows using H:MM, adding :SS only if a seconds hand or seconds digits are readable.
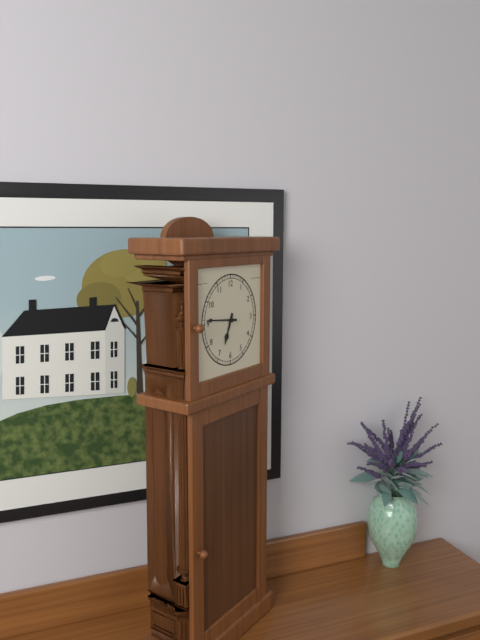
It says 6:46
